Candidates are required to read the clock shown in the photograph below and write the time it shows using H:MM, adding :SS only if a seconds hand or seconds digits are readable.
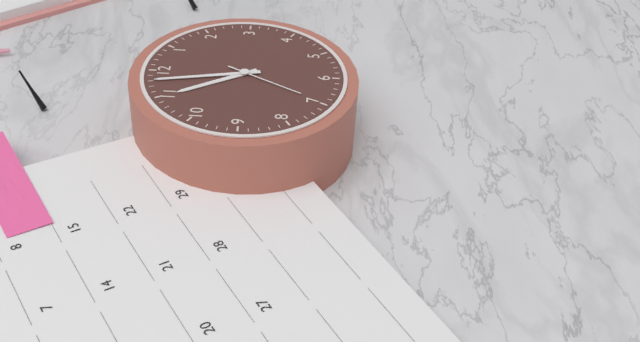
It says 10:58:35
